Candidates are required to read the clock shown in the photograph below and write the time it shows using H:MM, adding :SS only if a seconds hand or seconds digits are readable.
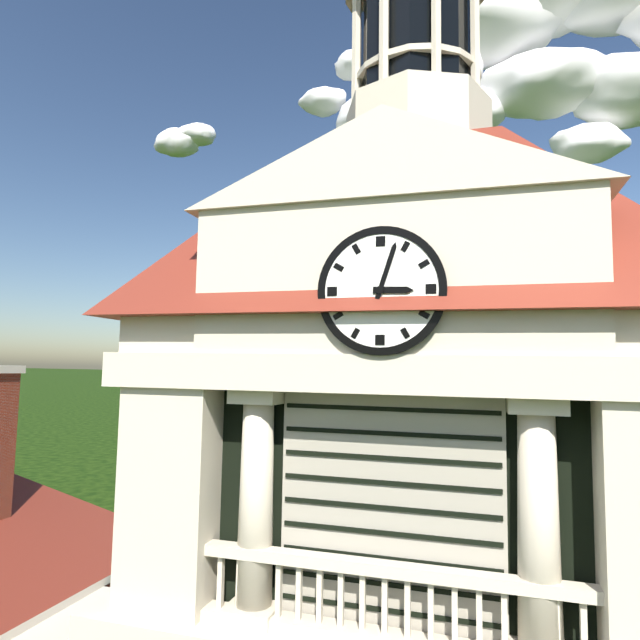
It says 3:03
